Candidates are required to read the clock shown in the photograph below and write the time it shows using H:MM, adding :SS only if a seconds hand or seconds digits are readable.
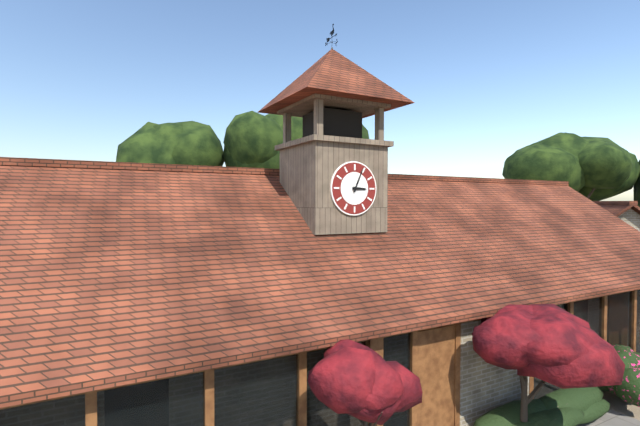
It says 3:04
